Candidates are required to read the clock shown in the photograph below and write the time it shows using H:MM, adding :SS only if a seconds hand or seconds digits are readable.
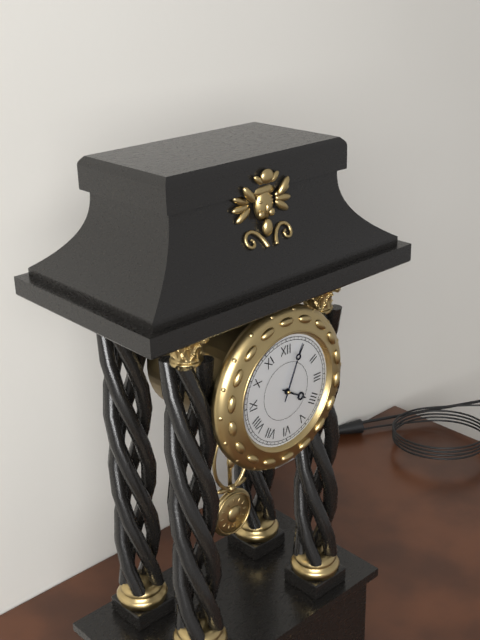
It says 4:04
